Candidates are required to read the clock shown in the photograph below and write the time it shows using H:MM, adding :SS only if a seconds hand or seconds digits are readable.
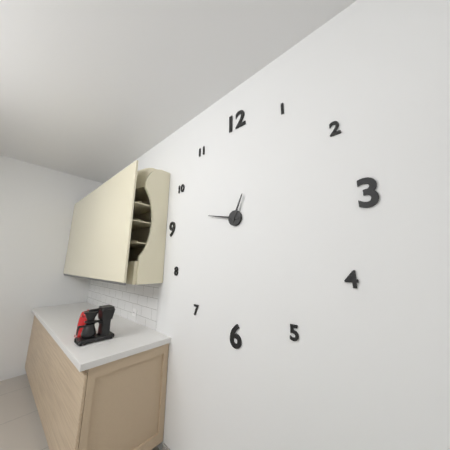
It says 12:47
